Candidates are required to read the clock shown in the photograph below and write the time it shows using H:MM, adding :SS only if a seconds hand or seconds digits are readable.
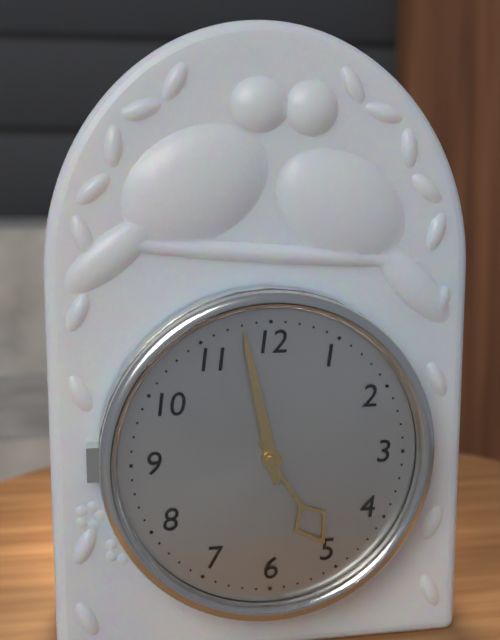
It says 4:58
